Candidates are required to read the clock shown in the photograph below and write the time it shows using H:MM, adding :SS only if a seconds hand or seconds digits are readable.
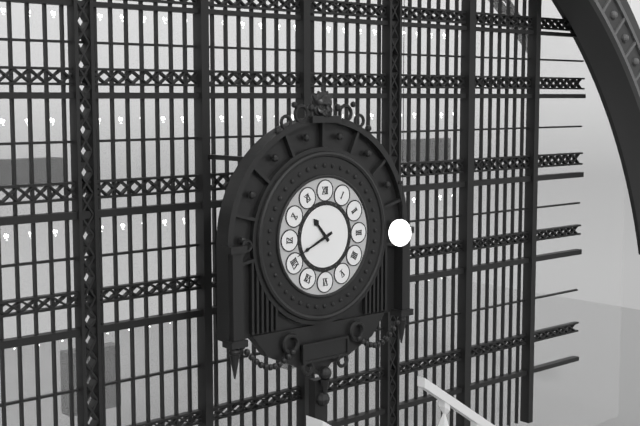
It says 10:41
